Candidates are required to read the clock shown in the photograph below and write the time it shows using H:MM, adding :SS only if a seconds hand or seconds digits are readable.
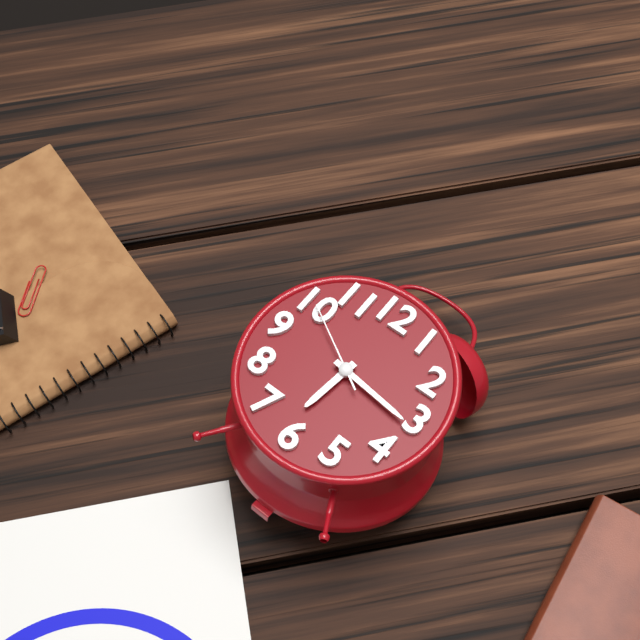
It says 6:16:50
